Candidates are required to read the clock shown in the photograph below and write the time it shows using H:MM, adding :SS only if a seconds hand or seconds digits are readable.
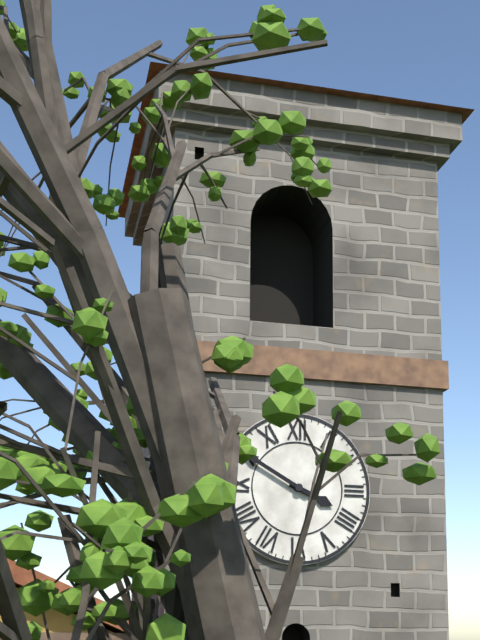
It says 3:50
